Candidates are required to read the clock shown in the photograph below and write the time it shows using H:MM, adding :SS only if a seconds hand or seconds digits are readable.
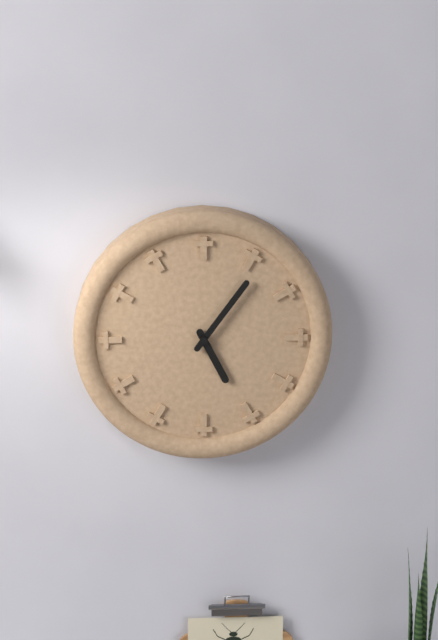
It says 5:06
